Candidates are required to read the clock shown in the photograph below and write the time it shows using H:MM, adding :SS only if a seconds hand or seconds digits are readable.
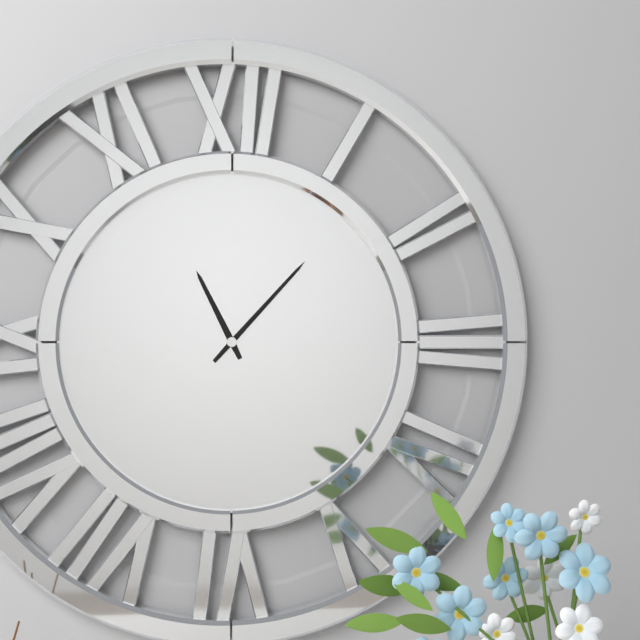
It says 11:07
